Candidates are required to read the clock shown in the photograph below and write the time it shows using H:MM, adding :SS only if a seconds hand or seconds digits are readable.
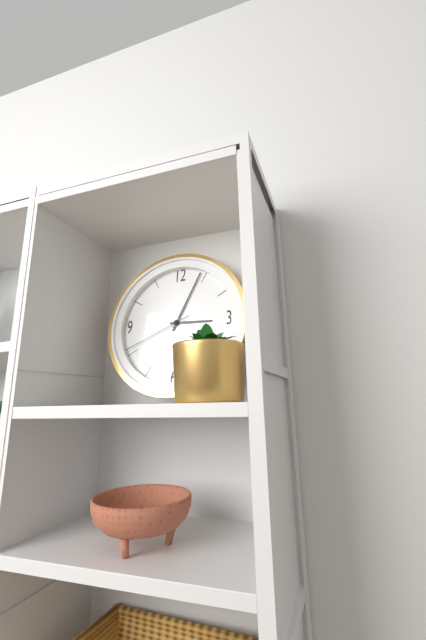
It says 3:04:41
